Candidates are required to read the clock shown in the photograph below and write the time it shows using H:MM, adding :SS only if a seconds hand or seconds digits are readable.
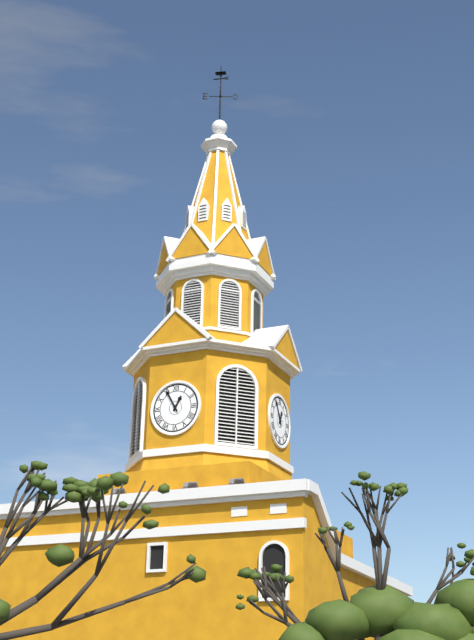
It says 12:55
